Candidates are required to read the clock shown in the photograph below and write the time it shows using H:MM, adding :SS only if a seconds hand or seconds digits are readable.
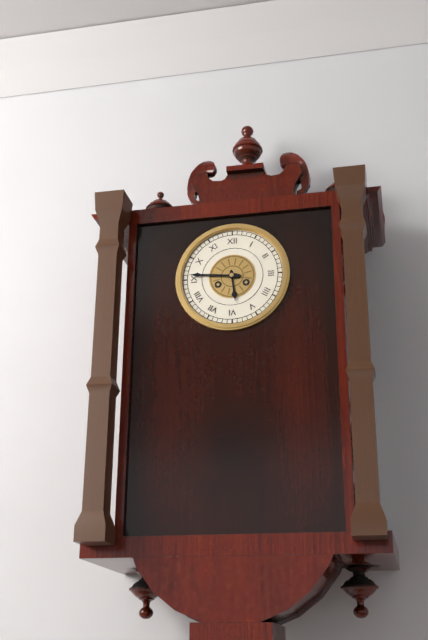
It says 5:46
